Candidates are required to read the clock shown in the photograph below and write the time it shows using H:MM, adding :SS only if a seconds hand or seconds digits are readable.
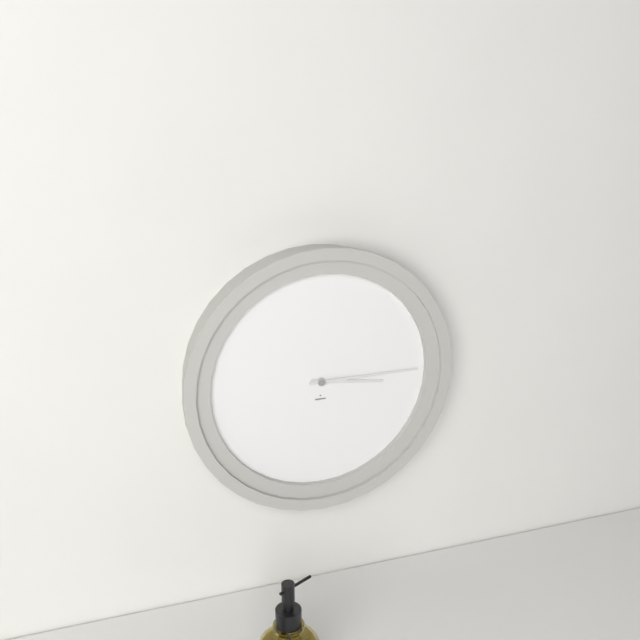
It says 3:15
